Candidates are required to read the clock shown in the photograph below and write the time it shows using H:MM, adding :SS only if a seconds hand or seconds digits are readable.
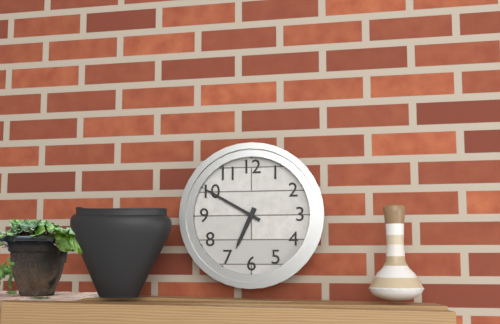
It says 6:50
